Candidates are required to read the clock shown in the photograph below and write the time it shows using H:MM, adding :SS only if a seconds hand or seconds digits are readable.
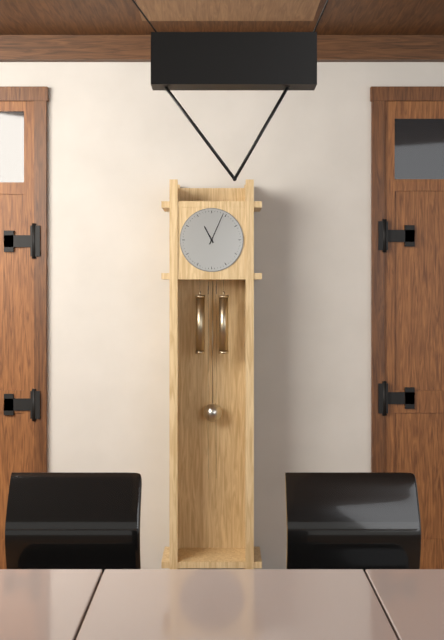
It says 11:04
